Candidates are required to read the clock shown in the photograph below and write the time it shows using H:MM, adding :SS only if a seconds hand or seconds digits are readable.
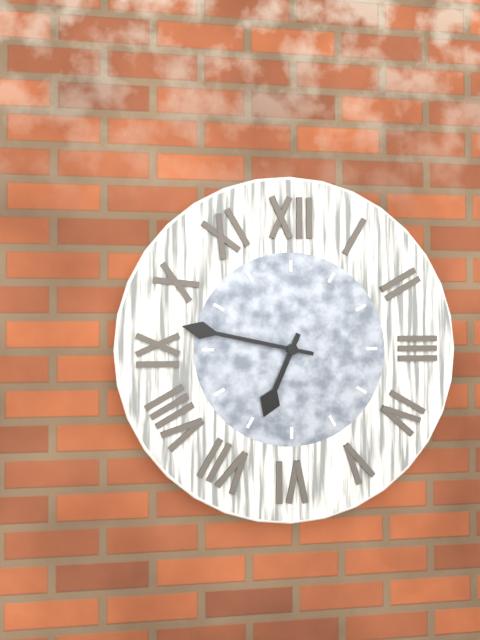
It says 6:47
